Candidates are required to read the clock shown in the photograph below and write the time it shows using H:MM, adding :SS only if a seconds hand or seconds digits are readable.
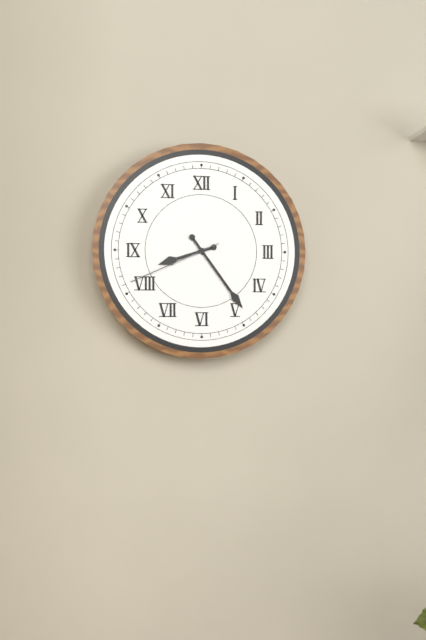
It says 8:24:41
